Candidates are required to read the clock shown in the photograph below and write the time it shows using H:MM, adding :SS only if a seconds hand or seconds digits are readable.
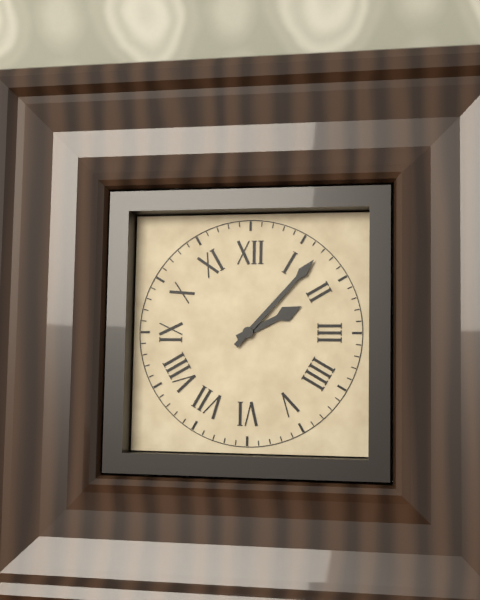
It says 2:07
